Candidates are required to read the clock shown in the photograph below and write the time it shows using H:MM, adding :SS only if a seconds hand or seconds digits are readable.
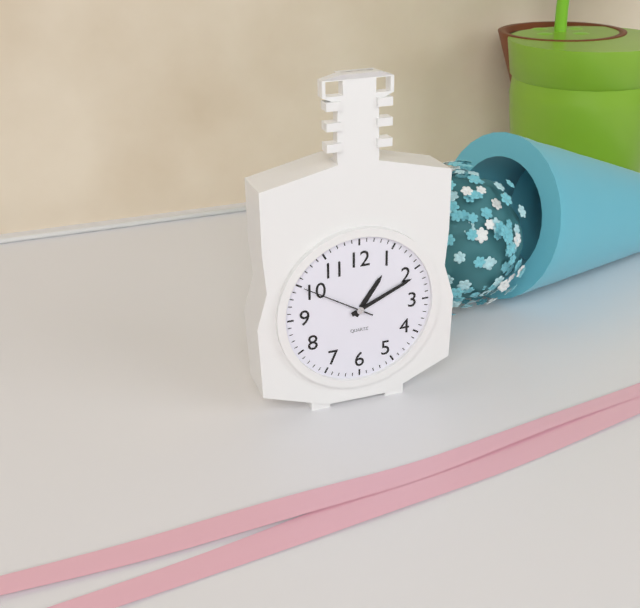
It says 1:11:50
